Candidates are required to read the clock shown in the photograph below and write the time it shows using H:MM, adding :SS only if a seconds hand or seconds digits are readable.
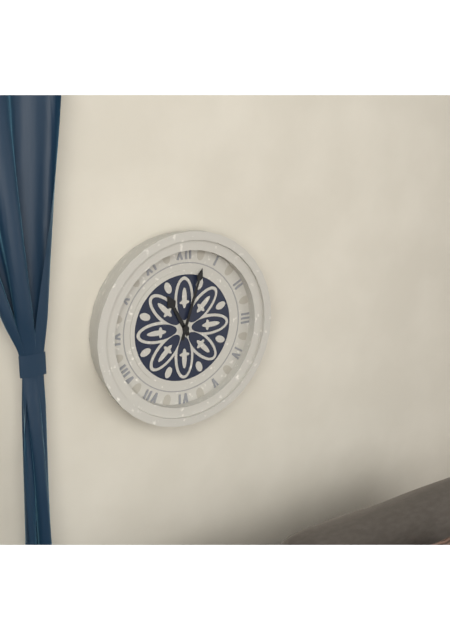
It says 11:03
